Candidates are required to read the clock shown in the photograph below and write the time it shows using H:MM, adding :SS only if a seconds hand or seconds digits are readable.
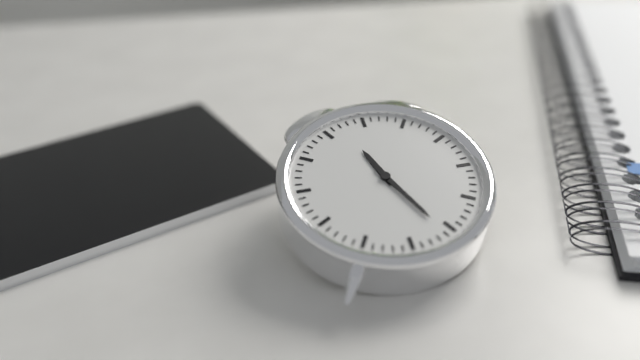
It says 11:26
